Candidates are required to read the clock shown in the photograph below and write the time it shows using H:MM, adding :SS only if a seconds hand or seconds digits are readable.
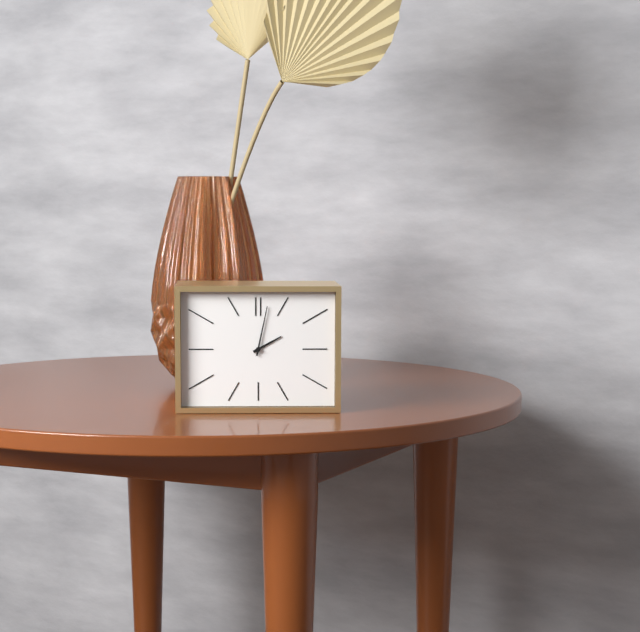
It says 2:02
